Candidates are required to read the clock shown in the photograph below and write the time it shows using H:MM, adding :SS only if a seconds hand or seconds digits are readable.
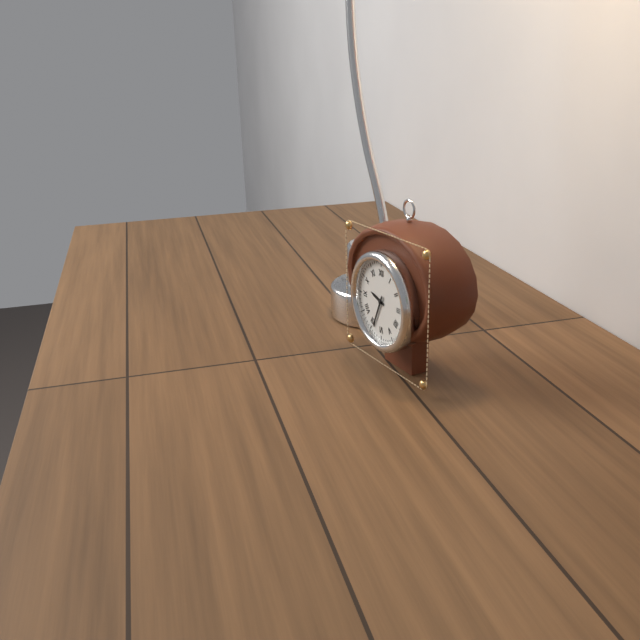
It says 9:34
